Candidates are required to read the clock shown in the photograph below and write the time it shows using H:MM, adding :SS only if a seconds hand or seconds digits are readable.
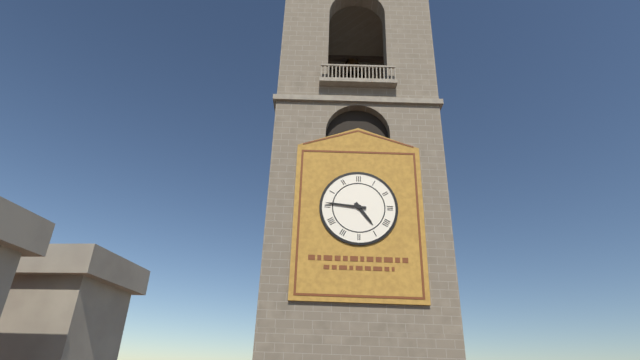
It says 4:46
